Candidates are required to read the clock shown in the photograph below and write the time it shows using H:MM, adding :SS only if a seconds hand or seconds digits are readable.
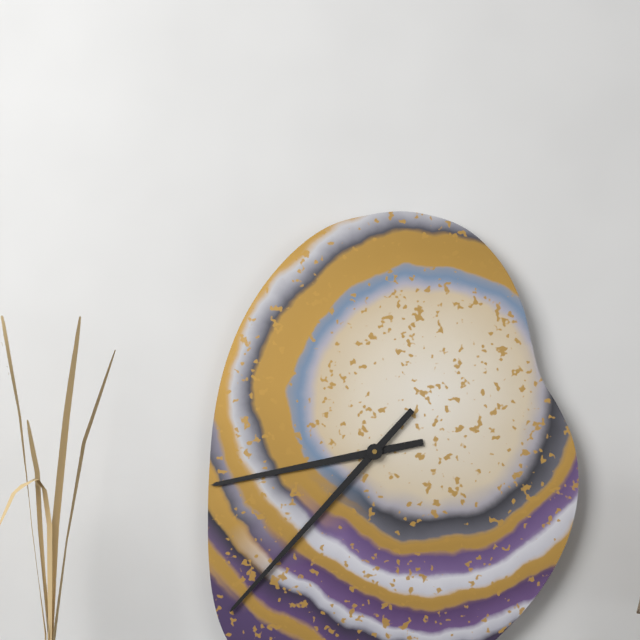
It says 8:37
